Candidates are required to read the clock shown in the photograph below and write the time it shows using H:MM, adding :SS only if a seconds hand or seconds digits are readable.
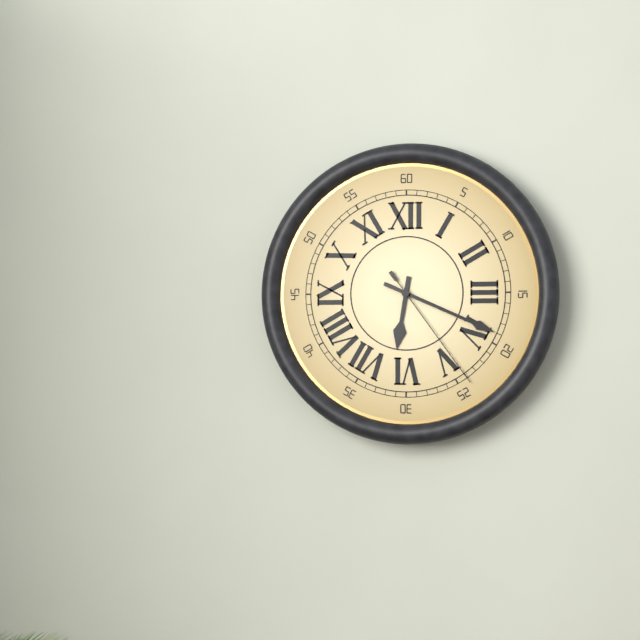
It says 6:19:24
